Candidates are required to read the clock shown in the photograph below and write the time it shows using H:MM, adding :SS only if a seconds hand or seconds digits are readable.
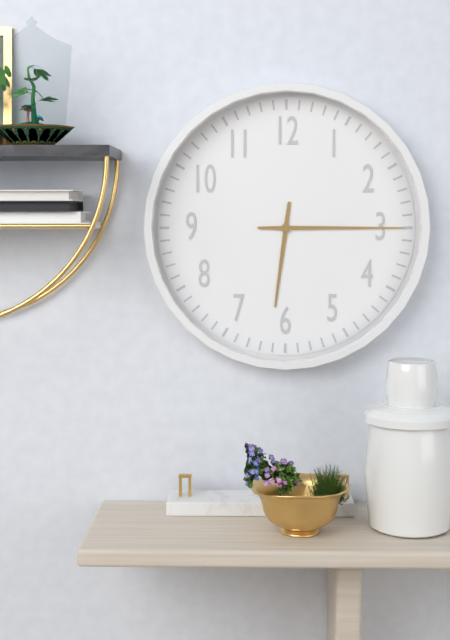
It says 6:15
